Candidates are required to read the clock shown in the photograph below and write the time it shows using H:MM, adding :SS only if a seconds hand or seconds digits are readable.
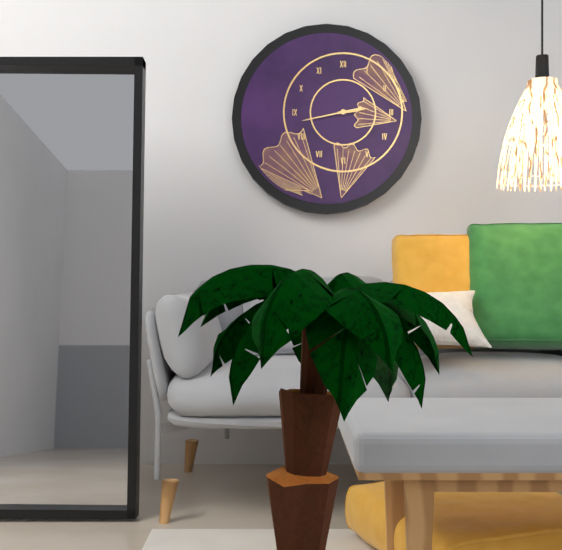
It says 2:43
